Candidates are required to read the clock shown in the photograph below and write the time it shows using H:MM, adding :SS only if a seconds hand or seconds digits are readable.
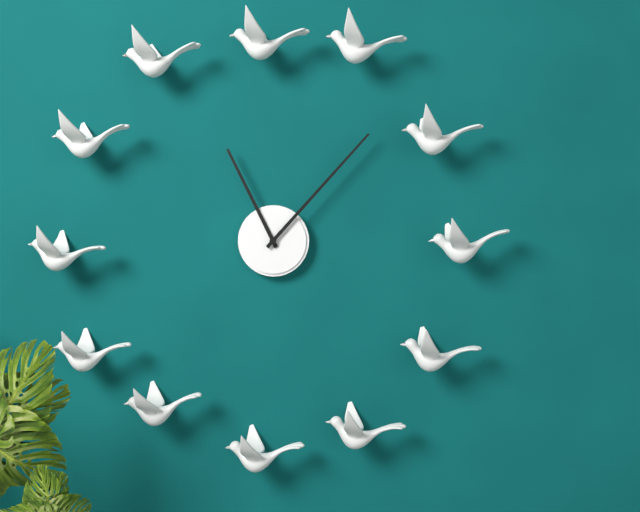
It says 11:07
